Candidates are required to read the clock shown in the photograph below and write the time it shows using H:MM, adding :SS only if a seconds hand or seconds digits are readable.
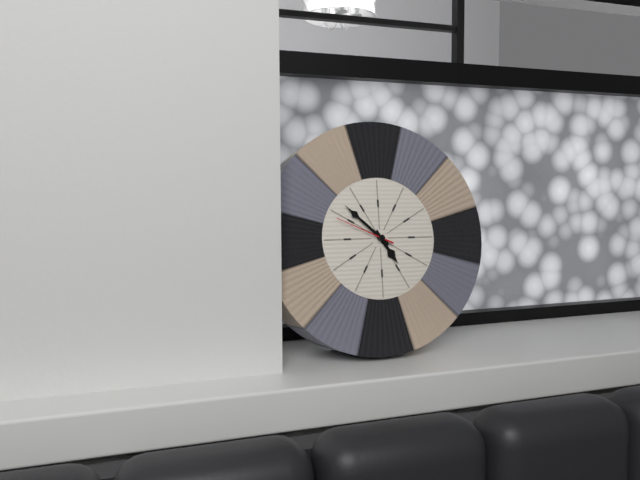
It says 4:52
